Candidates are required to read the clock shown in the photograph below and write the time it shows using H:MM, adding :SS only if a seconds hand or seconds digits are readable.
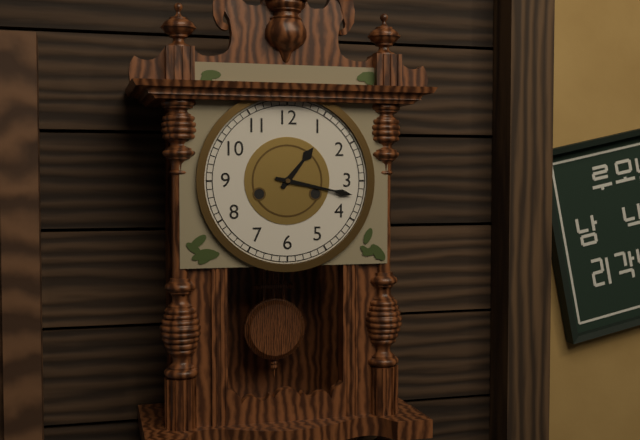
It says 1:17
